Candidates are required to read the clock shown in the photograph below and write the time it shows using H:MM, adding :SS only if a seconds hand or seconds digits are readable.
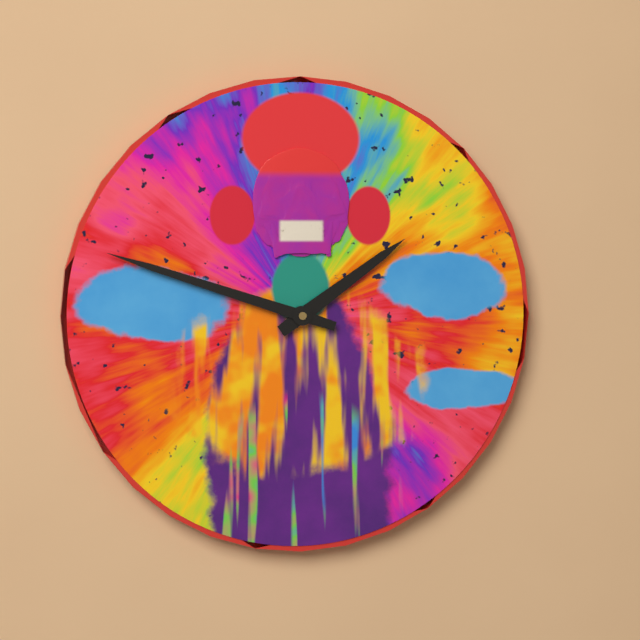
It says 1:48
